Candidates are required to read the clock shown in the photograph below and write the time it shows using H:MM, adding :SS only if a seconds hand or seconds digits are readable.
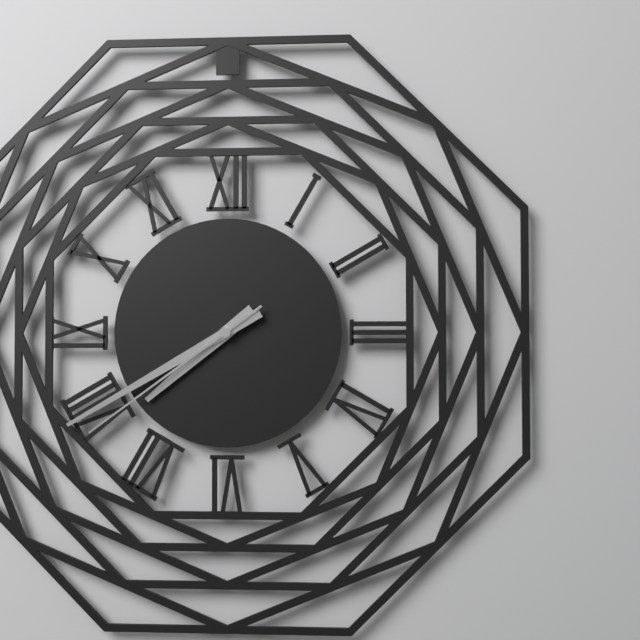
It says 7:40:39
